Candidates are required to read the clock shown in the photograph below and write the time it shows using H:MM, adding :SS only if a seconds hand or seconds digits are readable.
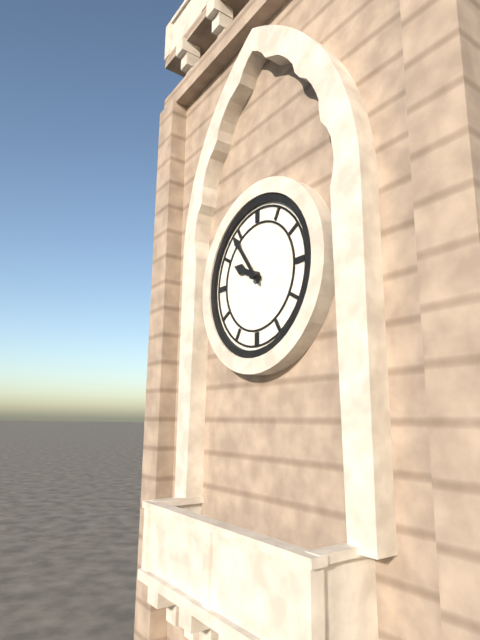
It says 9:54
